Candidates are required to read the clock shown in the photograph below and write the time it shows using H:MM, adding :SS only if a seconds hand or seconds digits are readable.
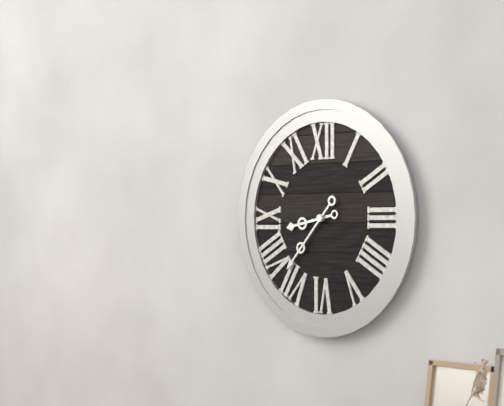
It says 8:37
